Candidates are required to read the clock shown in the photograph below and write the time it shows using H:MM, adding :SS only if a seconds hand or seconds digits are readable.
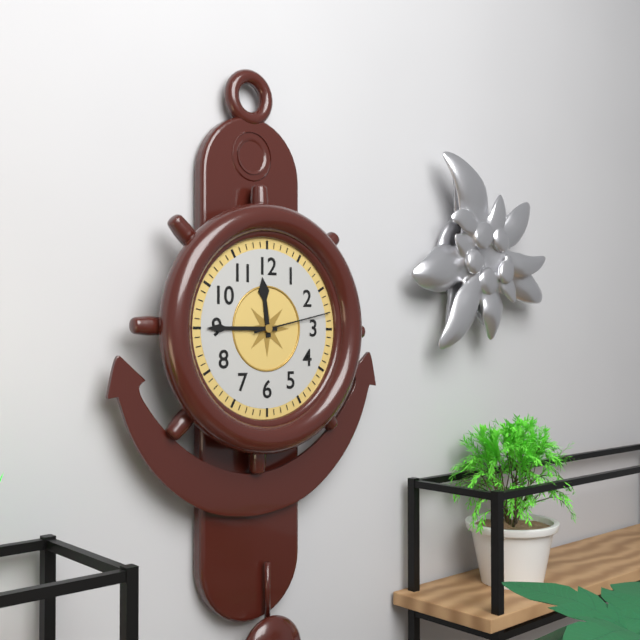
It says 11:45:13
